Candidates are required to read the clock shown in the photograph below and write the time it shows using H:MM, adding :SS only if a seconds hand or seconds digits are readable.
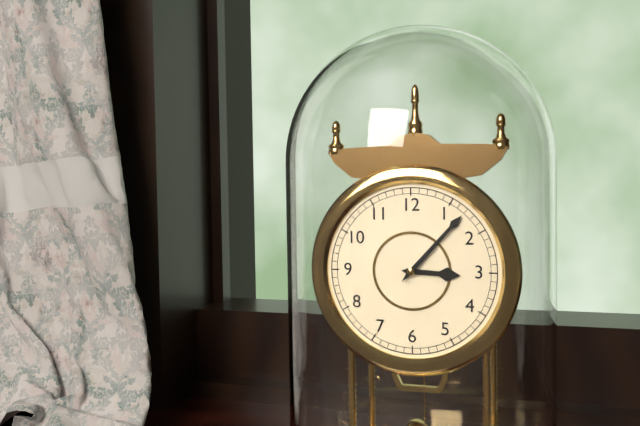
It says 3:07
